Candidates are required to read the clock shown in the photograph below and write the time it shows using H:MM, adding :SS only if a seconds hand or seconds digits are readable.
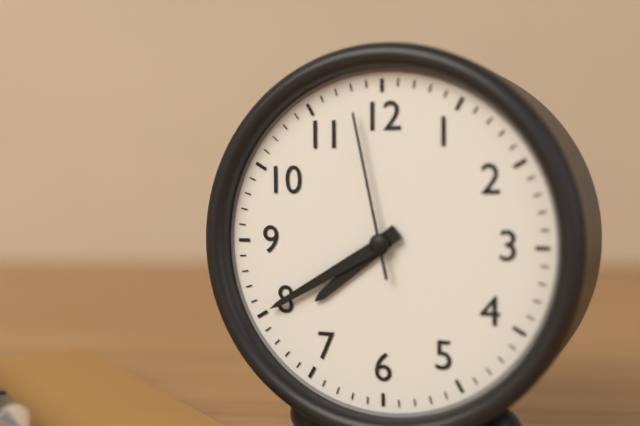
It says 7:40:58
